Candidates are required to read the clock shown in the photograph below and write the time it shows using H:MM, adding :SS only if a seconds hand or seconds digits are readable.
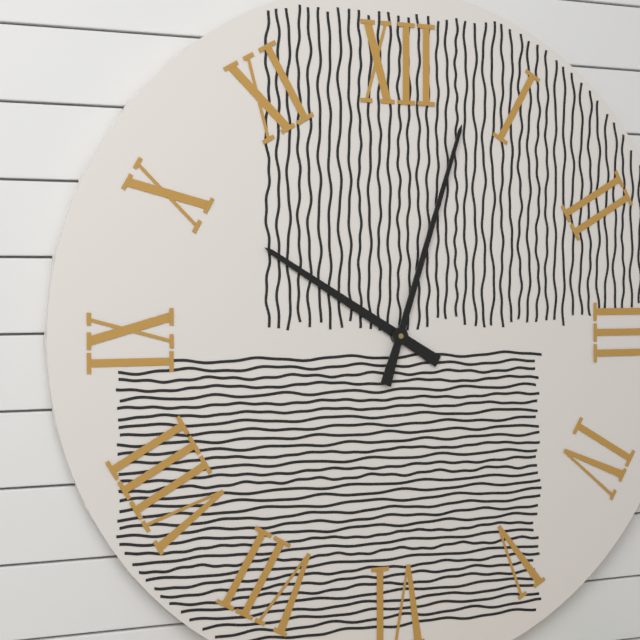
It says 10:03
